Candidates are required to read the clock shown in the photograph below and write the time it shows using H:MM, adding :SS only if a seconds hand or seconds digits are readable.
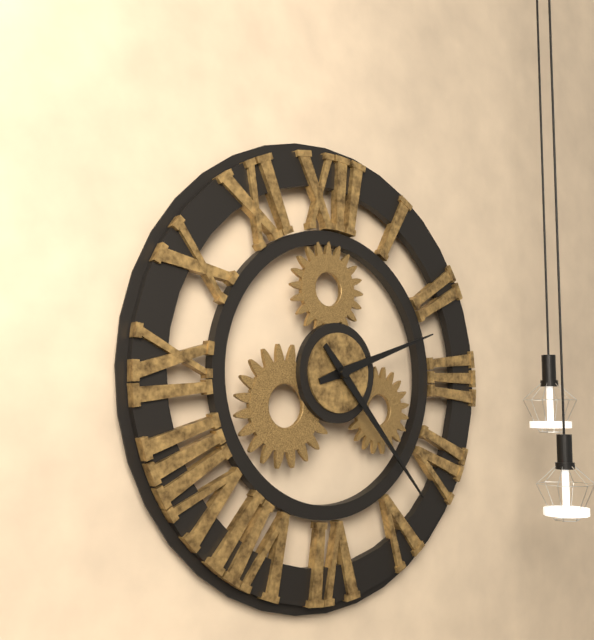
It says 2:23
